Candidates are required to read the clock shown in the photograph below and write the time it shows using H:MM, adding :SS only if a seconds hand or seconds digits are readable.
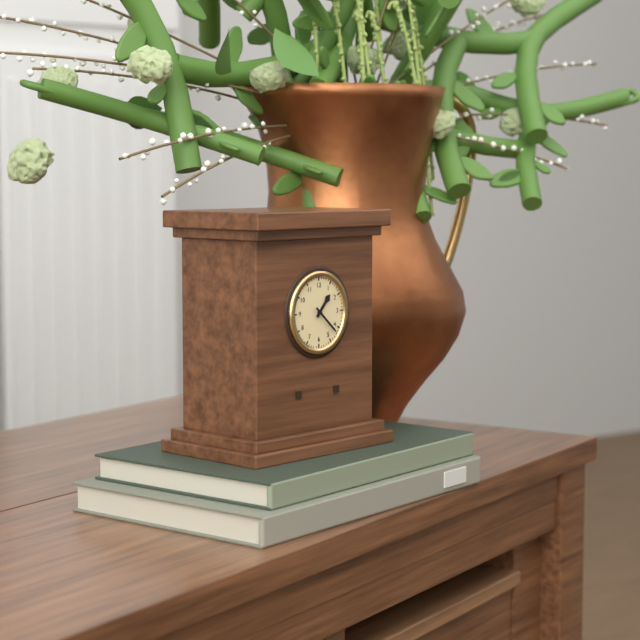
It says 1:22
